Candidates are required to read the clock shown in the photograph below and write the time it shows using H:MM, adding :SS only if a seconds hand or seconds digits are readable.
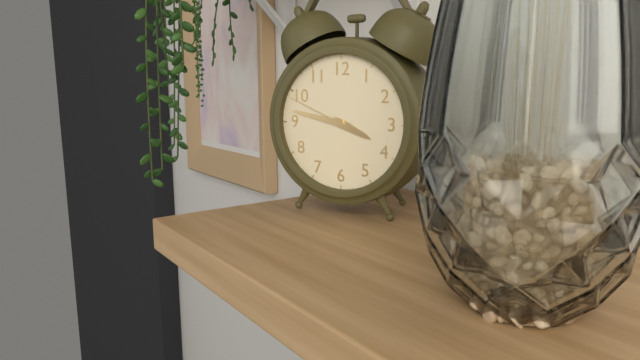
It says 3:47:49
